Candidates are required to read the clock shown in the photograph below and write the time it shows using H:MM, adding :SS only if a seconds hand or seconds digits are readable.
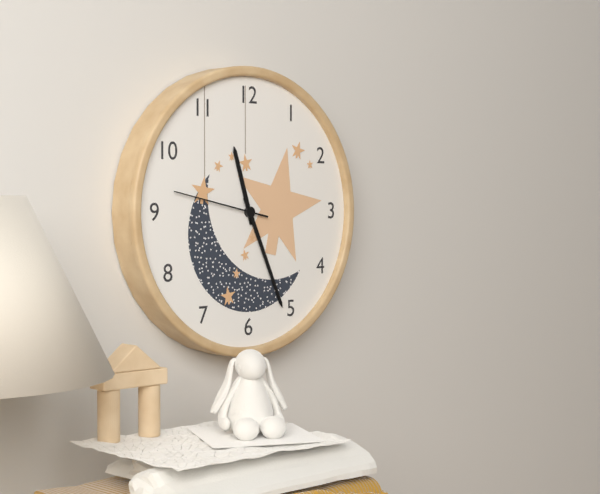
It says 11:26:47
